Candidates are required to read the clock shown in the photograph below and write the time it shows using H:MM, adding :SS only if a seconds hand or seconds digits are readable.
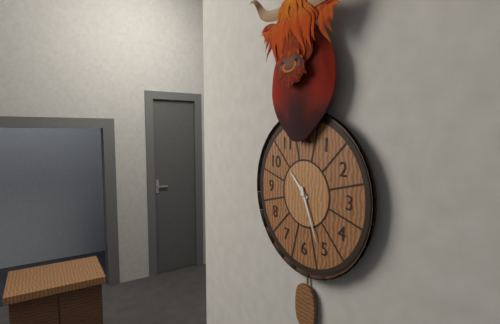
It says 10:26
